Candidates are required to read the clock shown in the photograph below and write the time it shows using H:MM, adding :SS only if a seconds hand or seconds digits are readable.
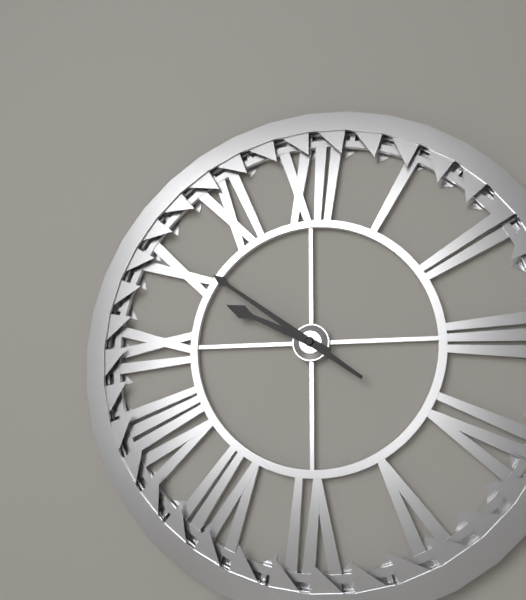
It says 9:51
